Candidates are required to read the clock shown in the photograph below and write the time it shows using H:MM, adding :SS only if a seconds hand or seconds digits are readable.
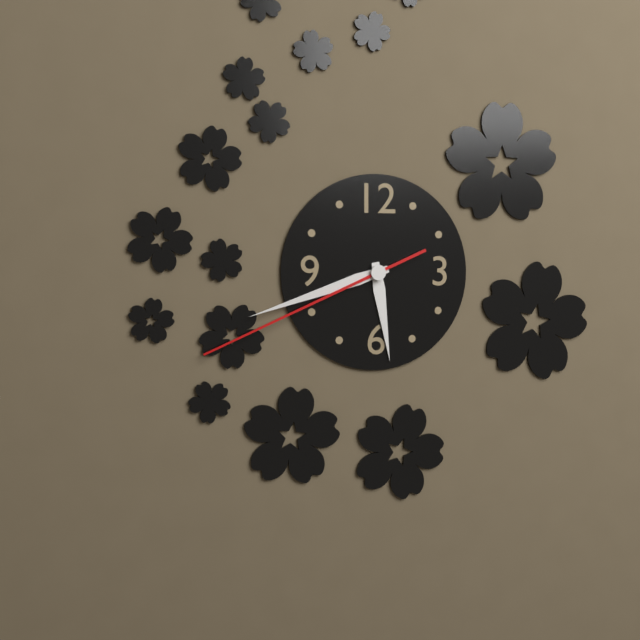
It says 5:42:41
